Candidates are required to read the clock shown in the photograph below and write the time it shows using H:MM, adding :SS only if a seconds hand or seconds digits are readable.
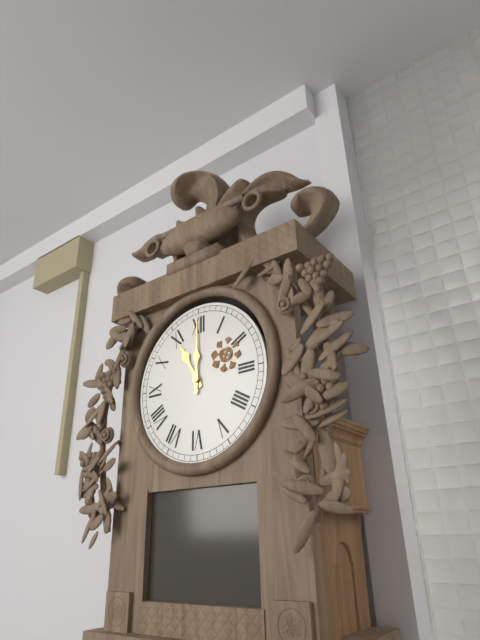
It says 11:00
